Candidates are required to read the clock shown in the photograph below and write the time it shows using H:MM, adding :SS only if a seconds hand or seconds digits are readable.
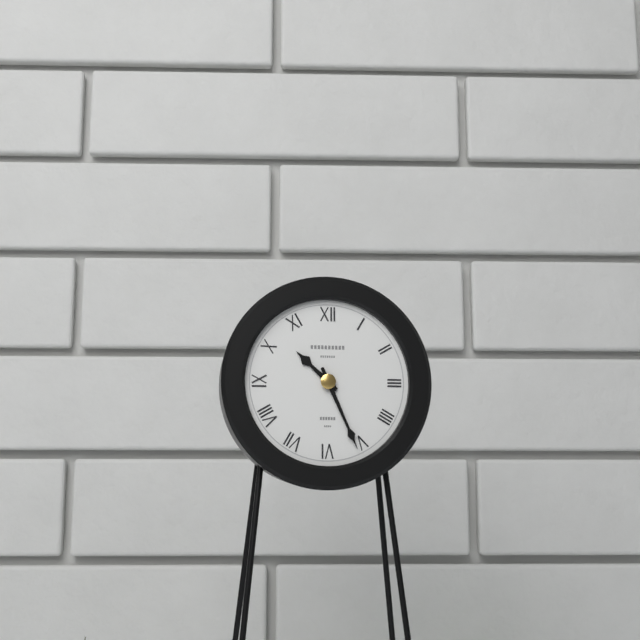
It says 10:26
